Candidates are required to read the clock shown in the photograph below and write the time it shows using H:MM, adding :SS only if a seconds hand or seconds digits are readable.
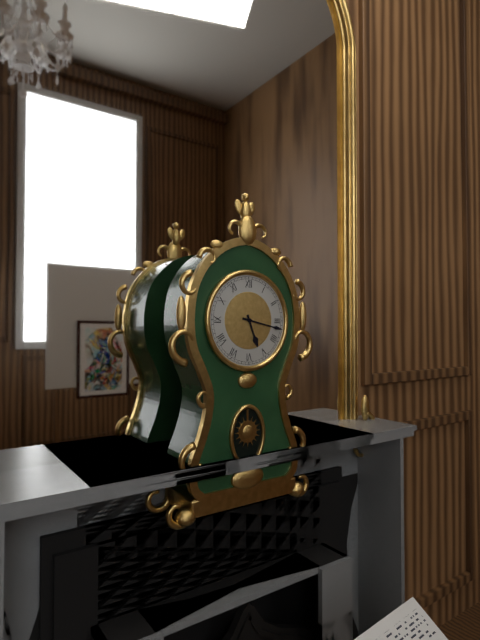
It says 5:17
